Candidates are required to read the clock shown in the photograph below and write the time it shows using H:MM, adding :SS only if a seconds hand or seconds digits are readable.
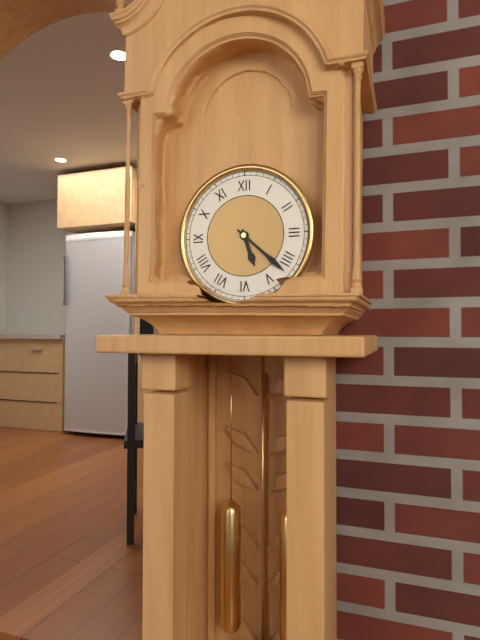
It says 5:22
